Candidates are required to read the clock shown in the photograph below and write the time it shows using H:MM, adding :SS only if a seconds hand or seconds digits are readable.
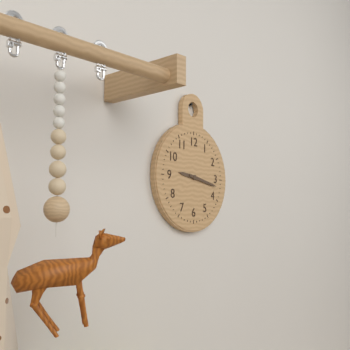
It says 9:17
